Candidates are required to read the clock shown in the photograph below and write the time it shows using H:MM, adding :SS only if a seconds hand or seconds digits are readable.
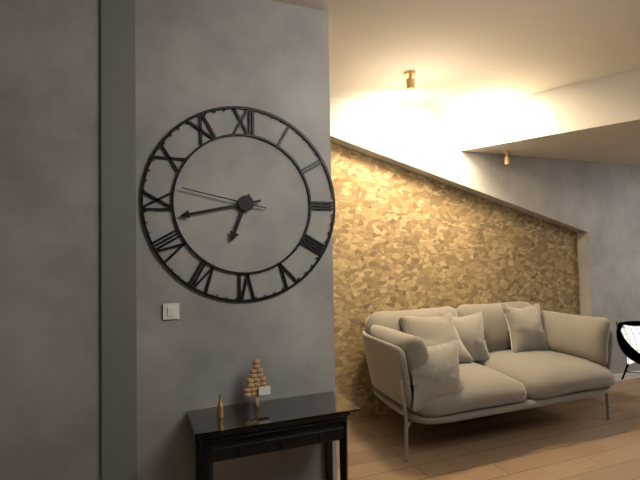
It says 6:43:47
